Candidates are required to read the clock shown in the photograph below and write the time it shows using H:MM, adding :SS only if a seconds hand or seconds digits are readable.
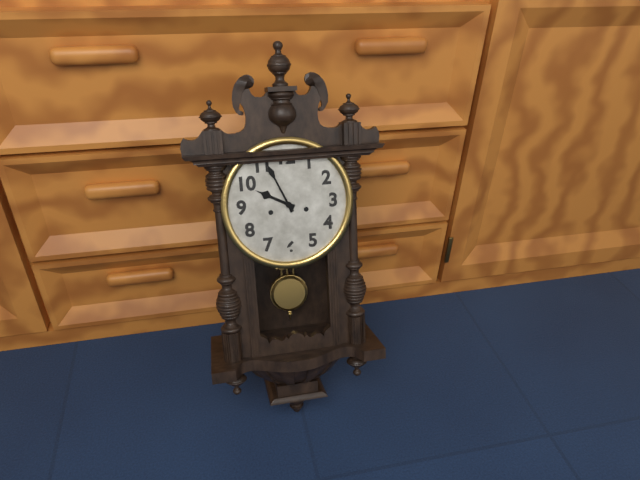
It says 9:56
